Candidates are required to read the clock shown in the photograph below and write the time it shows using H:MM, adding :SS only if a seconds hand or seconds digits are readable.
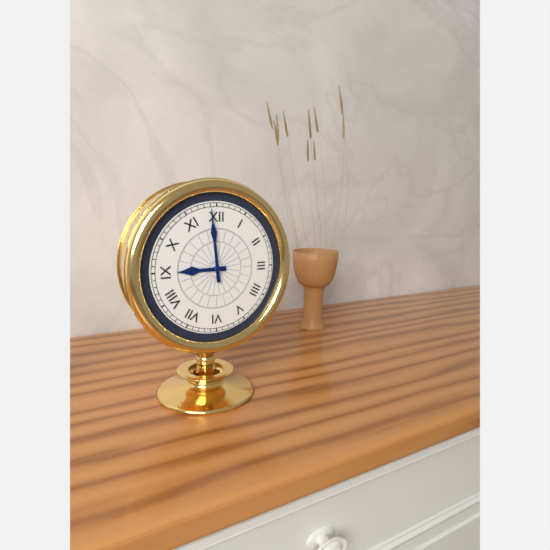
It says 8:59
